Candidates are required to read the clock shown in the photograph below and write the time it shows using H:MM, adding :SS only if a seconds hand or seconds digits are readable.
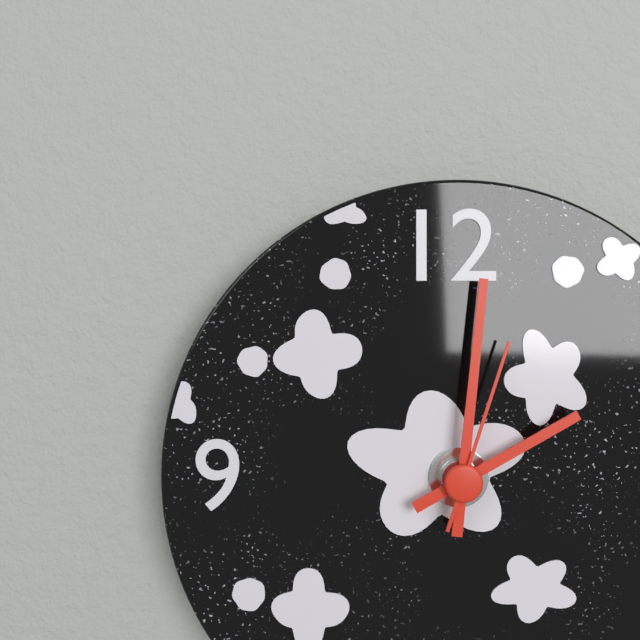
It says 2:01:03
